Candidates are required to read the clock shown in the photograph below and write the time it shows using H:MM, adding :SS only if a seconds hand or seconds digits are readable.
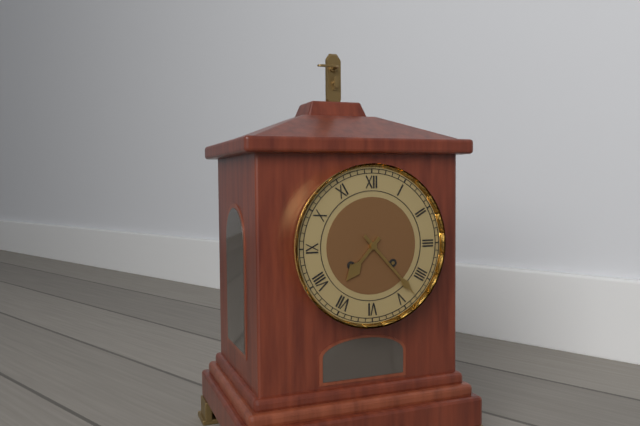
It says 7:23
